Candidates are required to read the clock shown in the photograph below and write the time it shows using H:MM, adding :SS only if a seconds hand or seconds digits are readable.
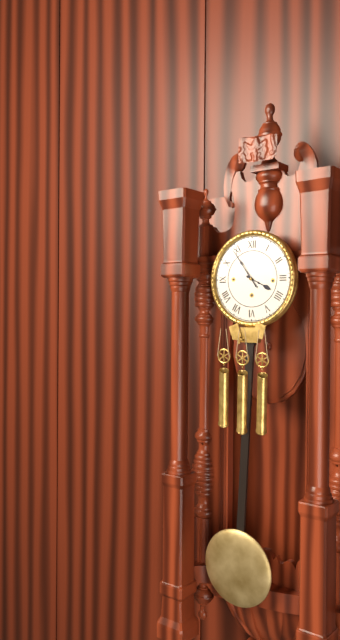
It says 3:54
